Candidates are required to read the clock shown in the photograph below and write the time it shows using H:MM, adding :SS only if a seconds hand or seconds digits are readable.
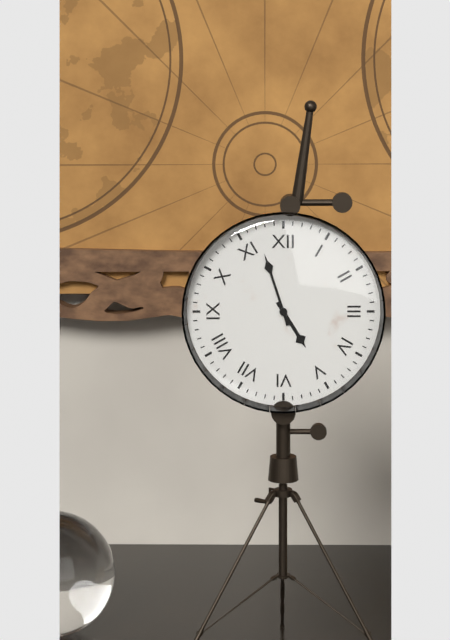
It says 4:57
